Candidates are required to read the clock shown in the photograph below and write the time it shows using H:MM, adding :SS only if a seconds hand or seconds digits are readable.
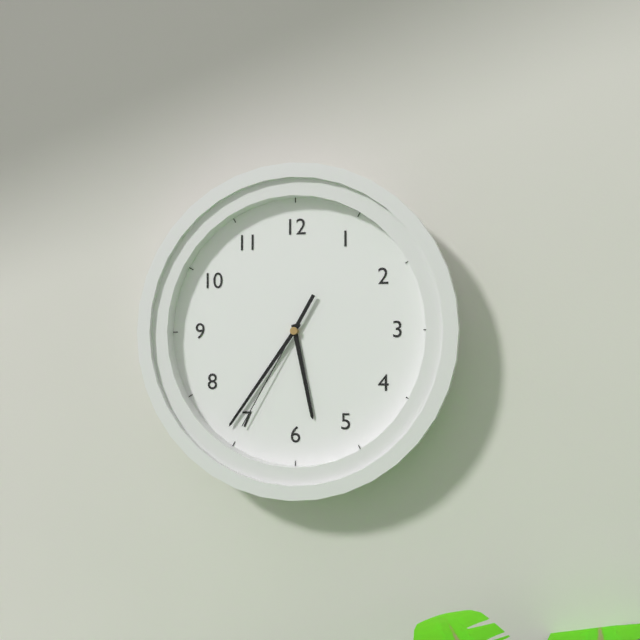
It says 5:36:35
